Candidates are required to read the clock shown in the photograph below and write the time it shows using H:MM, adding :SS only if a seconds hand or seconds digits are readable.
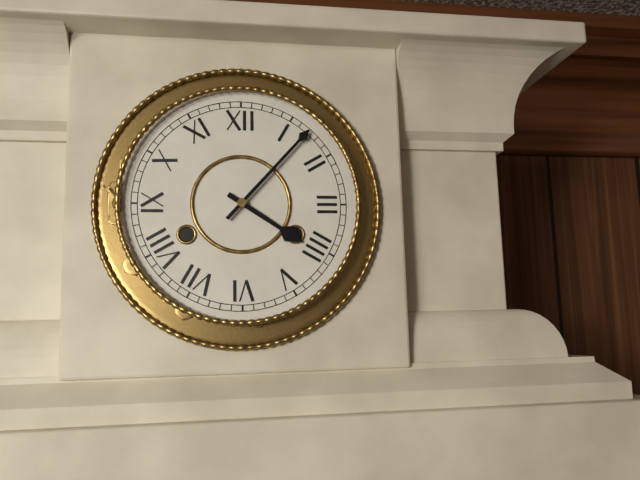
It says 4:07
